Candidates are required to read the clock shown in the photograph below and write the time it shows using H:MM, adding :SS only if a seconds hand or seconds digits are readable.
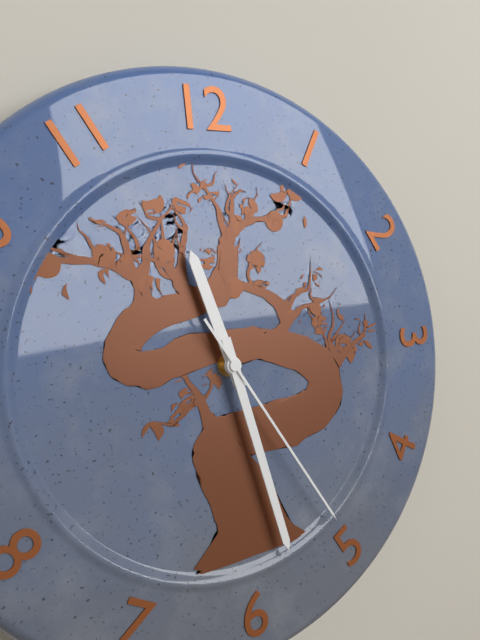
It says 11:28:25
